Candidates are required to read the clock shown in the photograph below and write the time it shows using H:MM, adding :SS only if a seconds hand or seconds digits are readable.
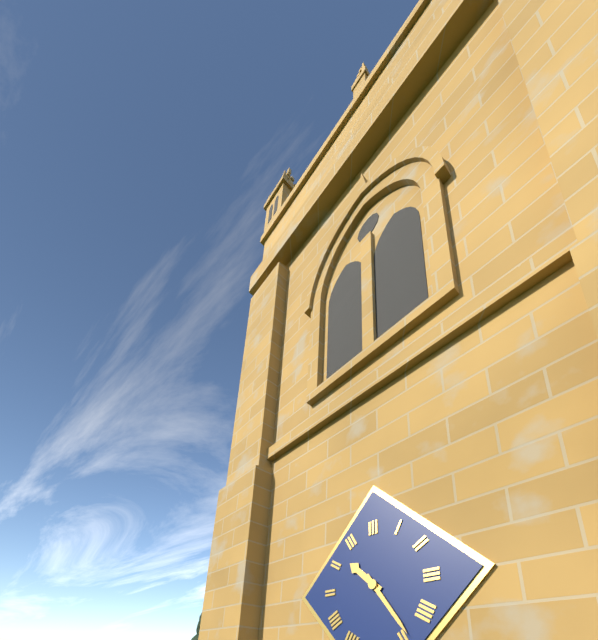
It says 10:24
